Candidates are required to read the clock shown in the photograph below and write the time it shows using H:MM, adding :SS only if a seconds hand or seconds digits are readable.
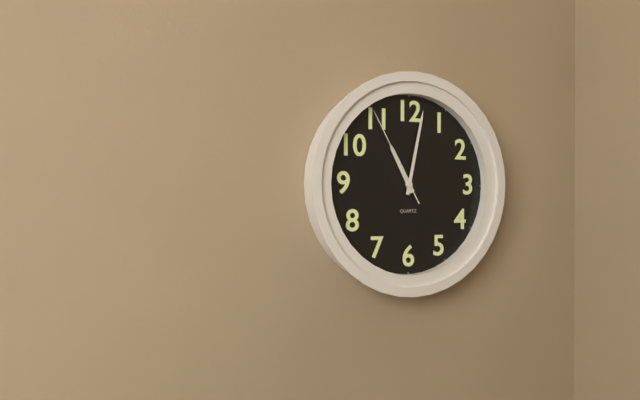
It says 11:02:55
